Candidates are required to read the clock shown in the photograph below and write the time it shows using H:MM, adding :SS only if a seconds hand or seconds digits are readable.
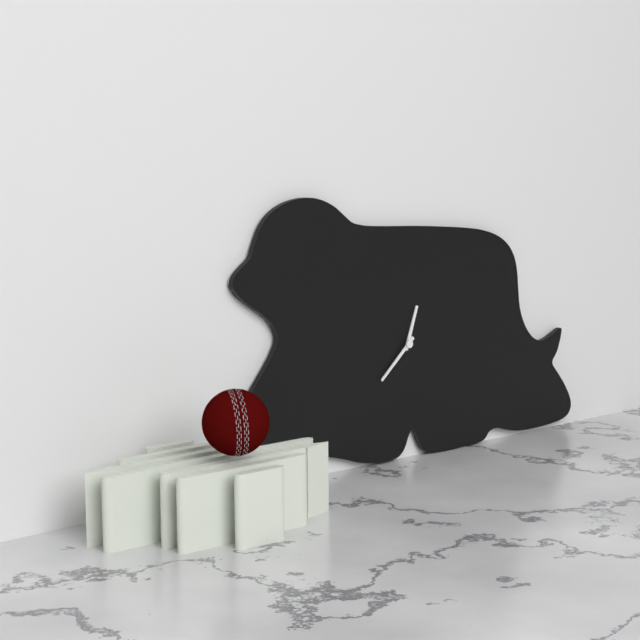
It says 12:38
